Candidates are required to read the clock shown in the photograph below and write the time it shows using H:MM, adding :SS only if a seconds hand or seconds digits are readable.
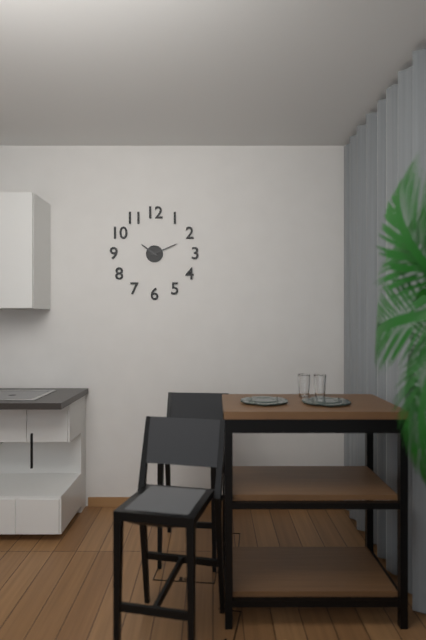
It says 10:11
